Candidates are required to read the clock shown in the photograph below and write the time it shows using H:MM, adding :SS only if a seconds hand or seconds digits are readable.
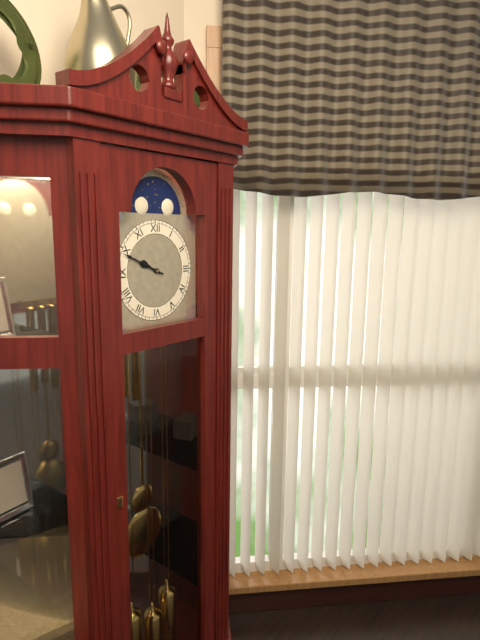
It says 9:49
